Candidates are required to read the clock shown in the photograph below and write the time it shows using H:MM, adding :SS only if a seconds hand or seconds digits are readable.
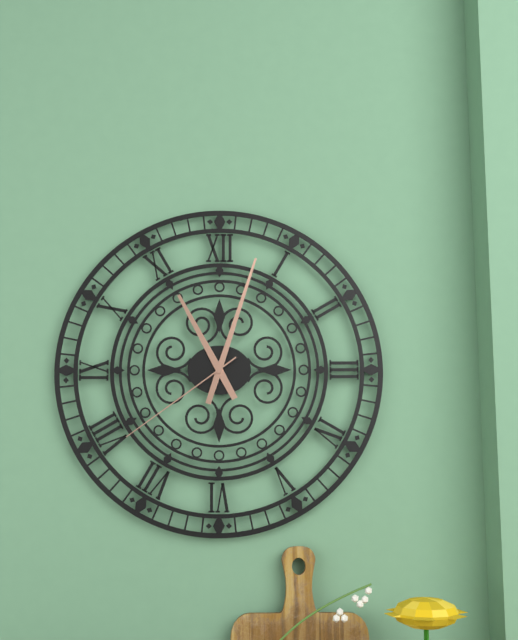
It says 11:03:39
